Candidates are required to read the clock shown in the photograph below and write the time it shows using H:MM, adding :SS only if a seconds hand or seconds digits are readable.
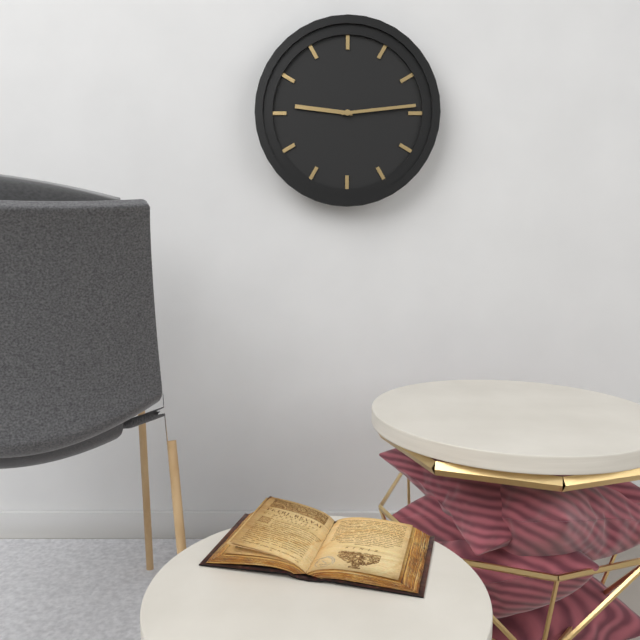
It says 9:14
